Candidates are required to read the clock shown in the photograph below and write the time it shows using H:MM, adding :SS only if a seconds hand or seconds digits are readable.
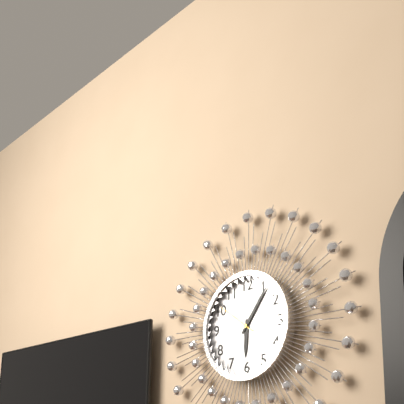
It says 6:06
